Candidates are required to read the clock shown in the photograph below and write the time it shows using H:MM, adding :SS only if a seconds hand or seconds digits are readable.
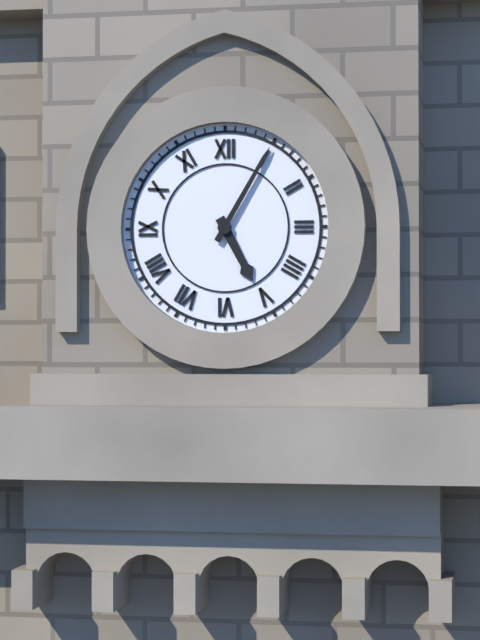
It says 5:05
